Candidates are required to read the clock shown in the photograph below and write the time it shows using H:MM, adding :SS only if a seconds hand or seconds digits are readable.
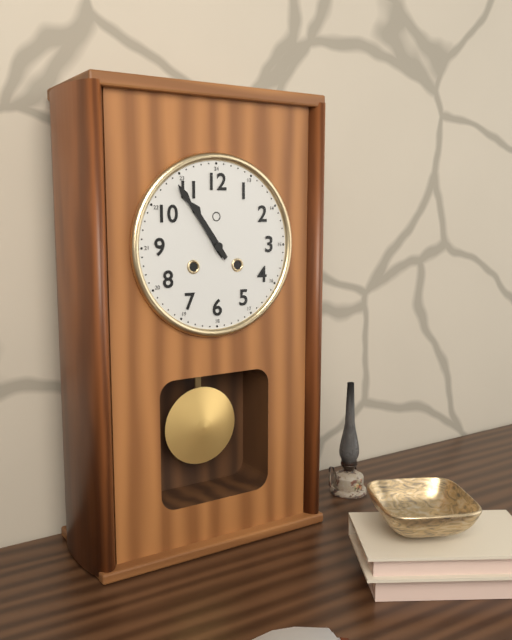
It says 10:54
